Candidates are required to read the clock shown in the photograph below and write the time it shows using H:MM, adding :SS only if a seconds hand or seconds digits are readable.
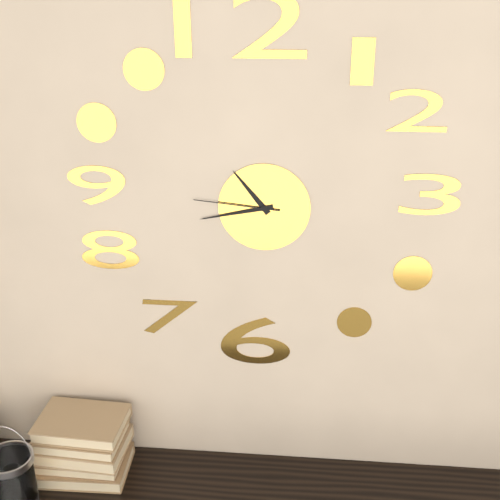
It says 10:43:46
